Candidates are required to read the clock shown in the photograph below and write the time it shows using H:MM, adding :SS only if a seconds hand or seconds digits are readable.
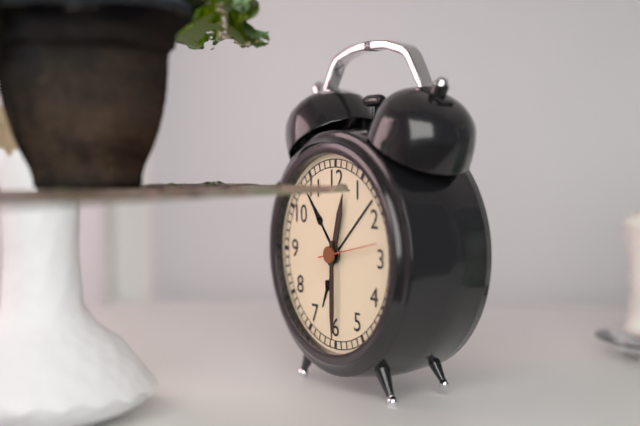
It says 12:30:13
